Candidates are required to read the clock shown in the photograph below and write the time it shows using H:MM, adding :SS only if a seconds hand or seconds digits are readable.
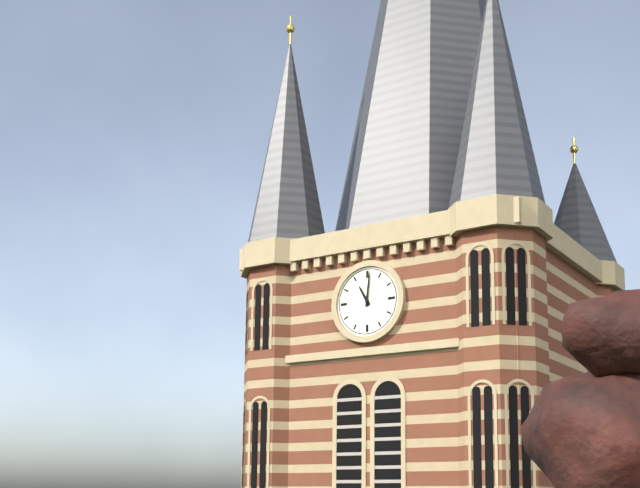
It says 11:01
